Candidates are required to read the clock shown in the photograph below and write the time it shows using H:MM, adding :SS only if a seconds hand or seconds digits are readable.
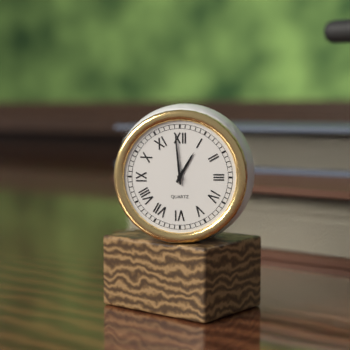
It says 12:59
